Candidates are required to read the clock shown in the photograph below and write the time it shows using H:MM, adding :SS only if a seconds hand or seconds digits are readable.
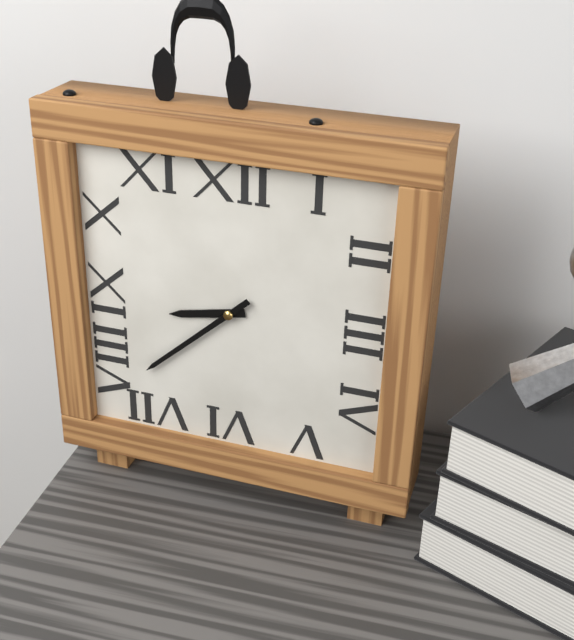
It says 8:38
